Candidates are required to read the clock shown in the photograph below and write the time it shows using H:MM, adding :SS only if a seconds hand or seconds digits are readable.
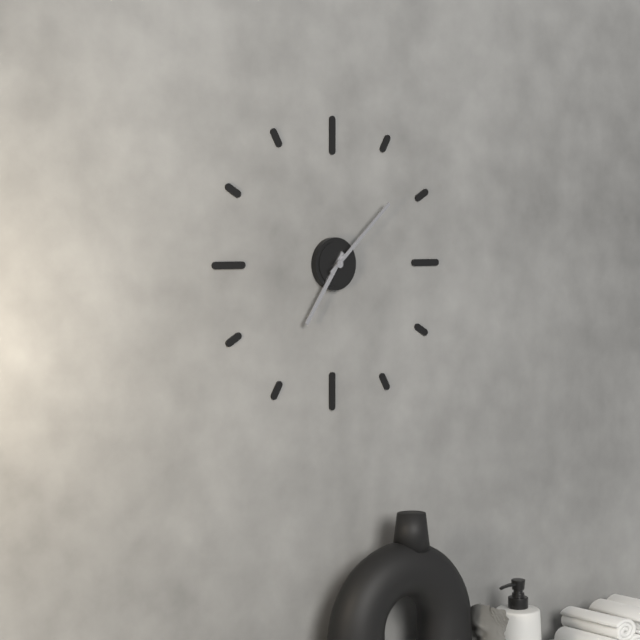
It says 7:08
